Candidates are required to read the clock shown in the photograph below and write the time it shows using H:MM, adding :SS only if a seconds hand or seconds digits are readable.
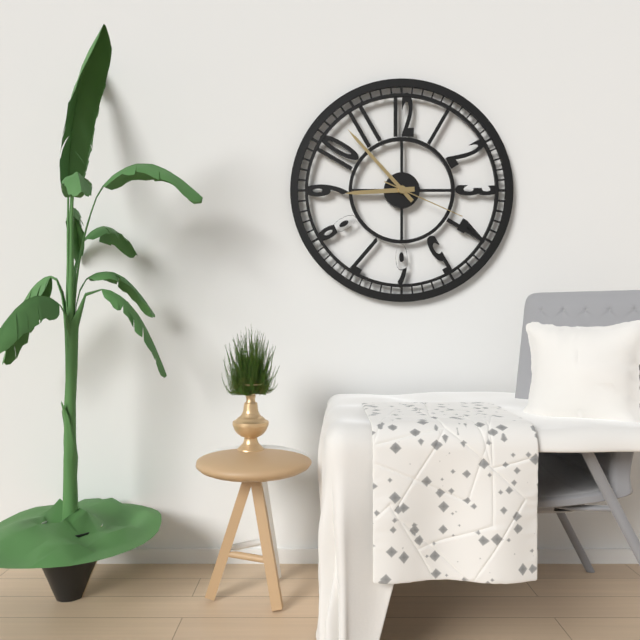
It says 8:53:19
